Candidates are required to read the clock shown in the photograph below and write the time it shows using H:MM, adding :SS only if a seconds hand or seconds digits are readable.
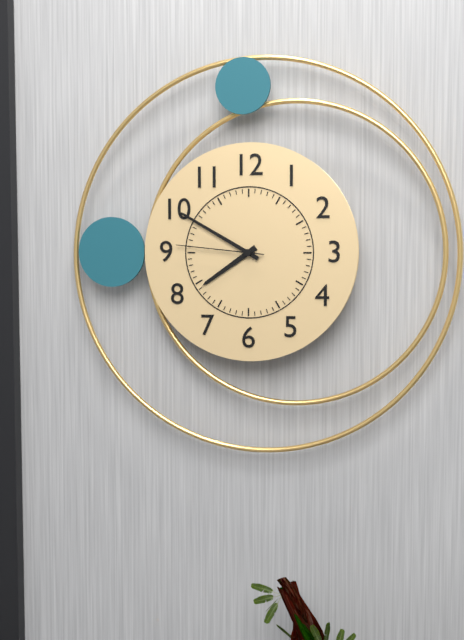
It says 7:50:46
